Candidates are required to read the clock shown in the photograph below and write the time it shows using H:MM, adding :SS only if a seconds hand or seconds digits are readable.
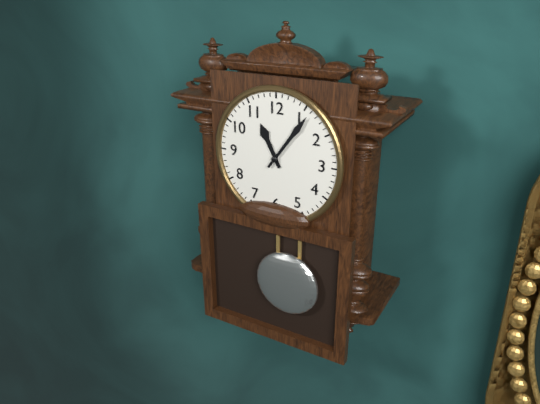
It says 11:06
